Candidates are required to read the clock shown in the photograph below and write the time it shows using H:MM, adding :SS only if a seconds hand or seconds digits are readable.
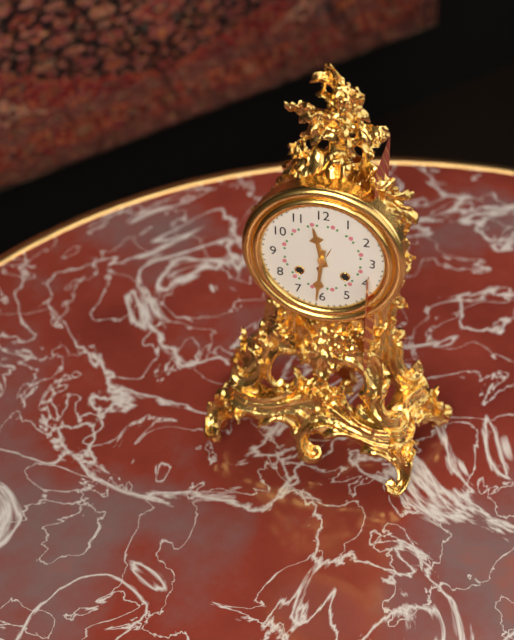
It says 11:31
